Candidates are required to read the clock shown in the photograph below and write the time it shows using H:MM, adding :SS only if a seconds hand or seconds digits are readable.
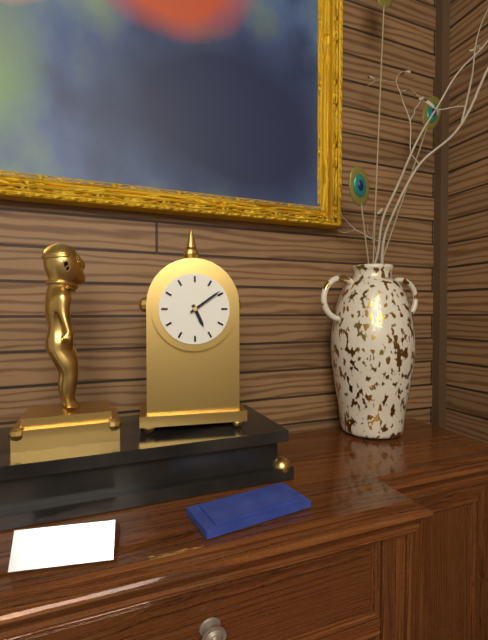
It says 5:09
